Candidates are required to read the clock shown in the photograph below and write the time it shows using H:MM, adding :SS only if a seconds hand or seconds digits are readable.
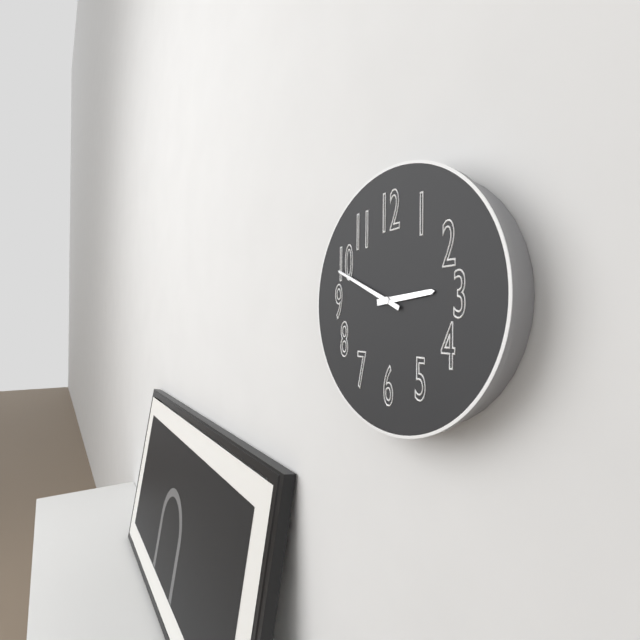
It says 2:49
